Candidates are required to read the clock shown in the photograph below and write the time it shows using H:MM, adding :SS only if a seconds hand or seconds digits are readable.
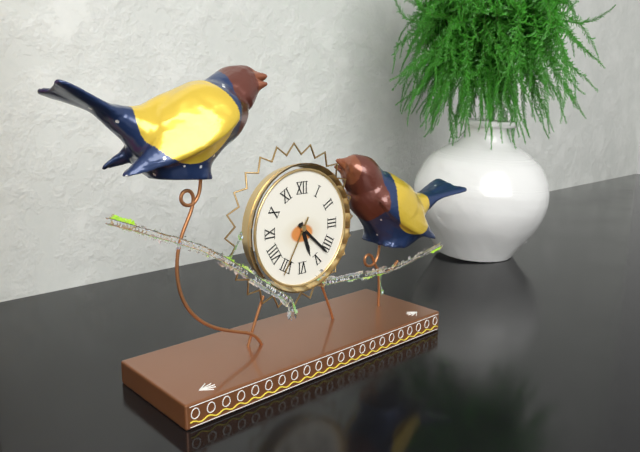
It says 5:22:35
